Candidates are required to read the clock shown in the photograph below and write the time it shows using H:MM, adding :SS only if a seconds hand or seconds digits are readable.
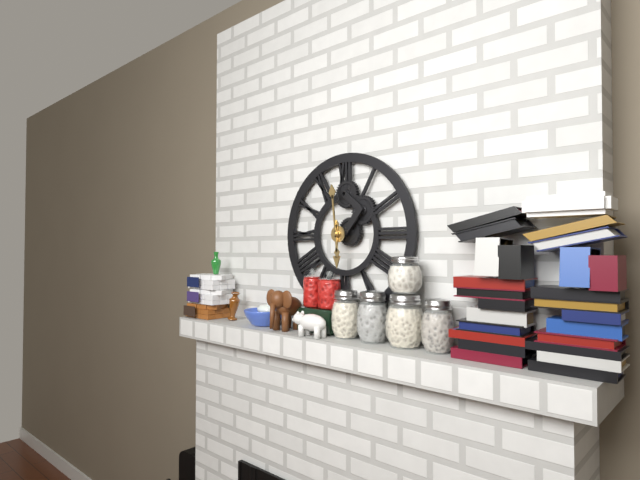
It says 5:59
